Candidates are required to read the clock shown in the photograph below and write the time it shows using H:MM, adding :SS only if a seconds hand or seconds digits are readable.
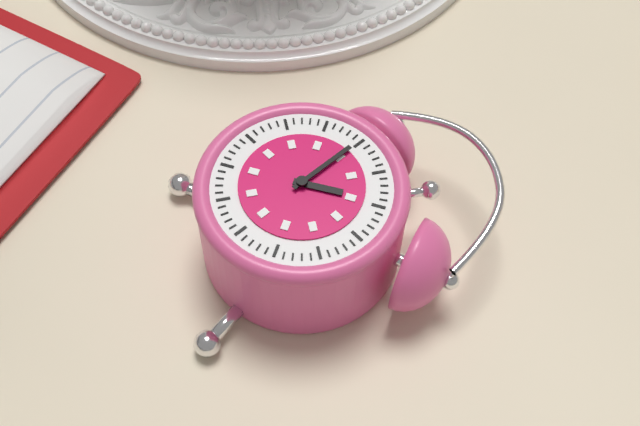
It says 12:55
